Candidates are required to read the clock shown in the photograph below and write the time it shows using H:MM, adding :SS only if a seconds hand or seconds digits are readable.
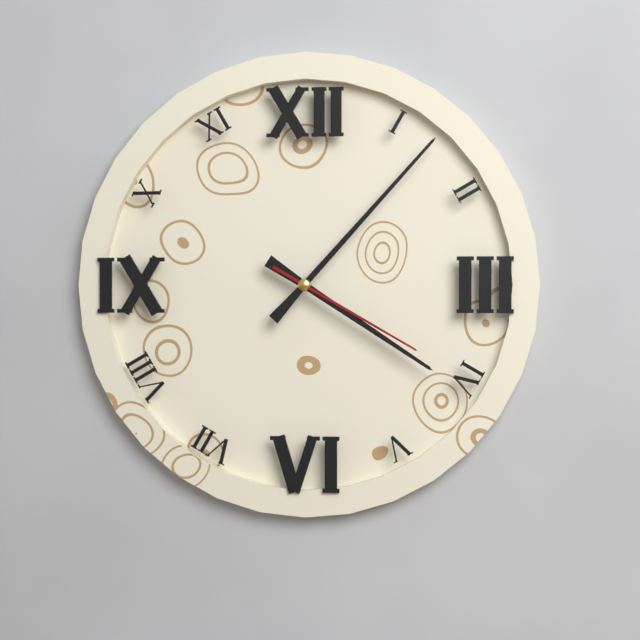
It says 4:07:20
